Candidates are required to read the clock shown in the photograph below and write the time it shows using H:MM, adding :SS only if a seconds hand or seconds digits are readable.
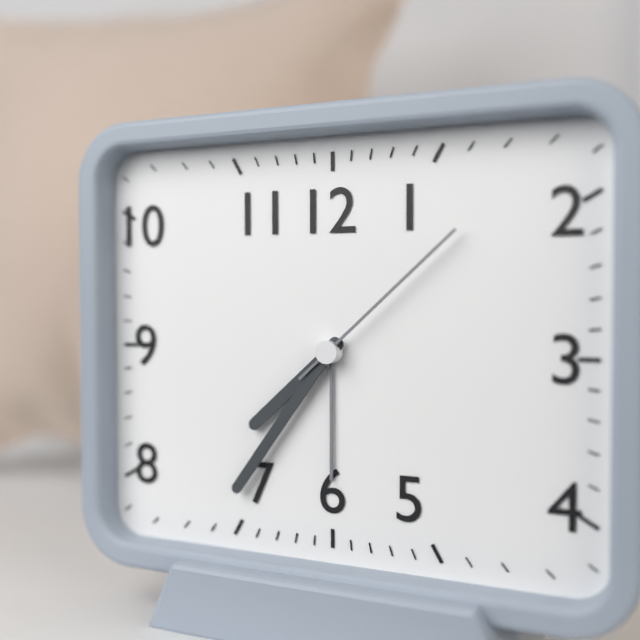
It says 7:36:08
